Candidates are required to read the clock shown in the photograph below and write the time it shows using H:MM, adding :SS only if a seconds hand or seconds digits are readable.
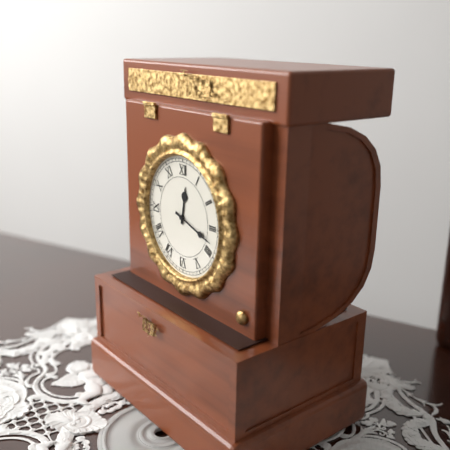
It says 12:18
